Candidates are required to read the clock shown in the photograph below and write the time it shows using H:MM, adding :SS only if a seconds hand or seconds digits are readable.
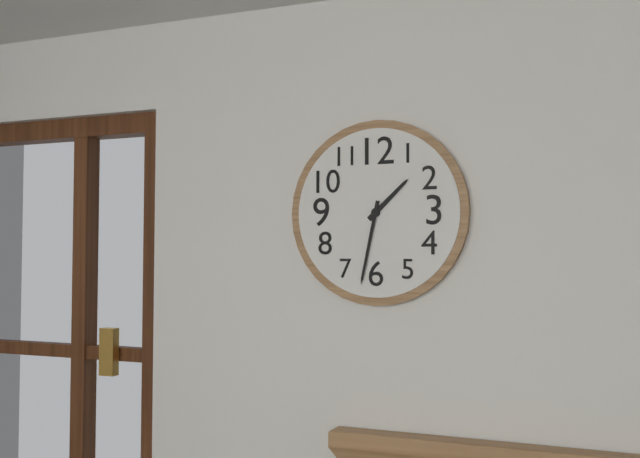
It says 1:32
